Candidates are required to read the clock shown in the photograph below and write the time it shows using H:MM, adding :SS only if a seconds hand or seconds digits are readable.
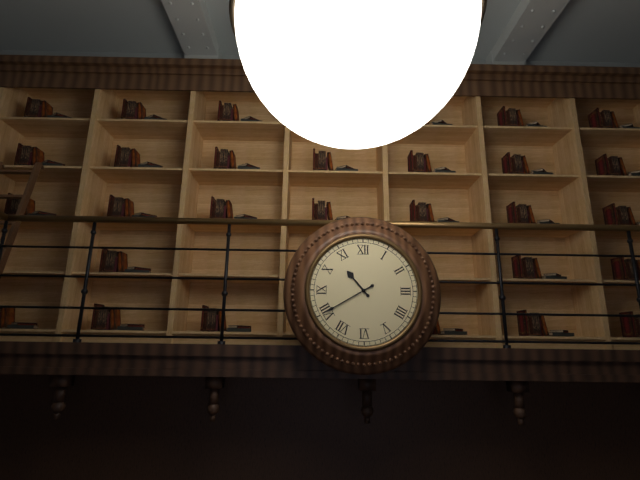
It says 10:40
